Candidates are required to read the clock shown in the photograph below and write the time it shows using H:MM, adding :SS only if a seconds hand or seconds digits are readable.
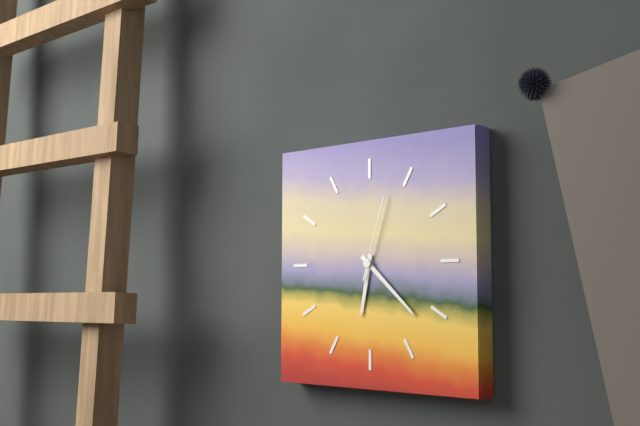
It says 6:22:03
